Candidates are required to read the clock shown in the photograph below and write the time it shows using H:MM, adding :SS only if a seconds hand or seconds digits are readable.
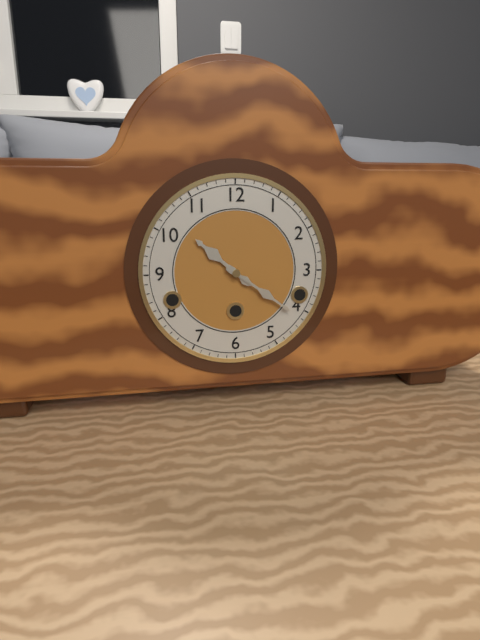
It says 10:21
